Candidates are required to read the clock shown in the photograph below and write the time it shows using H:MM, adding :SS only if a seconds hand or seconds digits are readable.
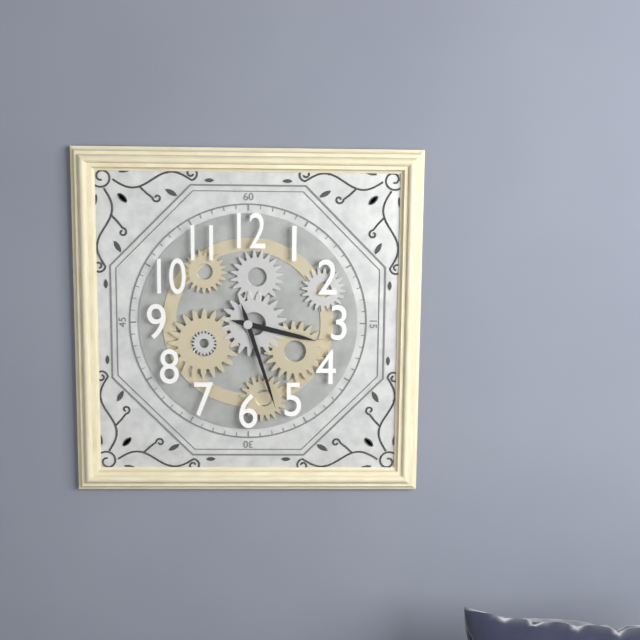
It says 3:27
